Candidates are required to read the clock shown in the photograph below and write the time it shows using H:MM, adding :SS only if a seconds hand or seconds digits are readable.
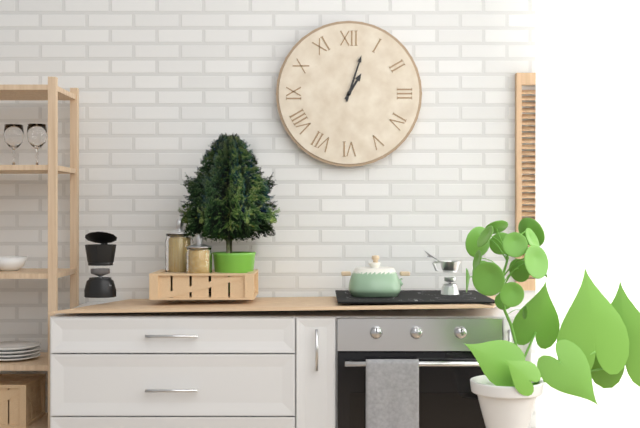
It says 1:03
